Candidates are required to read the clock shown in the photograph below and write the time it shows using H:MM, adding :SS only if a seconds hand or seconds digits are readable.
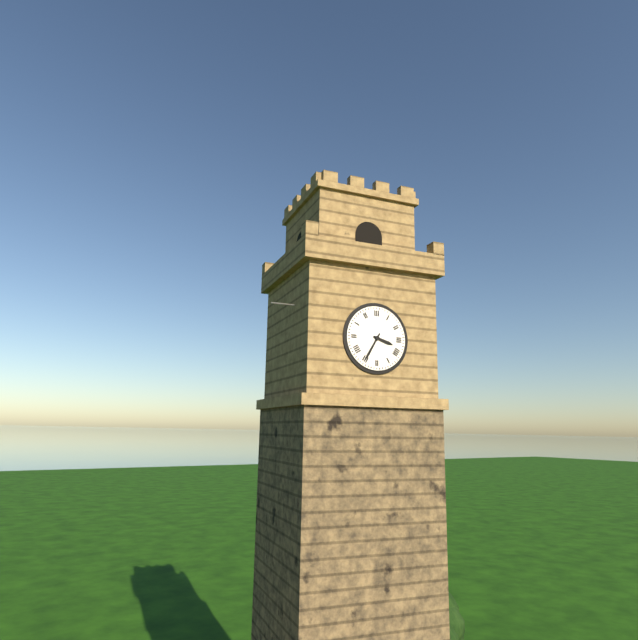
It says 3:35
